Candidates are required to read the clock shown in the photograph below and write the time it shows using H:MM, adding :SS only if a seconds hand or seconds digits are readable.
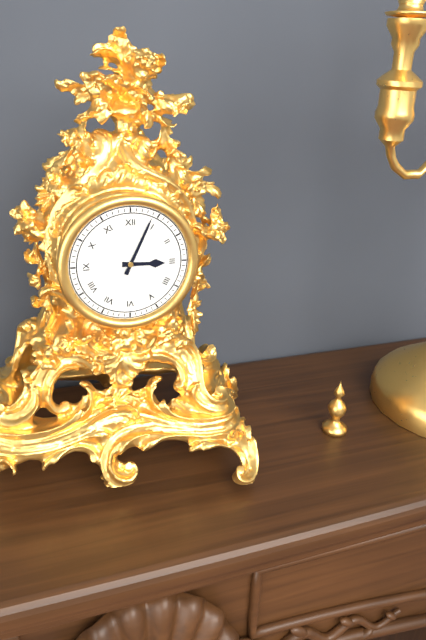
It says 3:04
